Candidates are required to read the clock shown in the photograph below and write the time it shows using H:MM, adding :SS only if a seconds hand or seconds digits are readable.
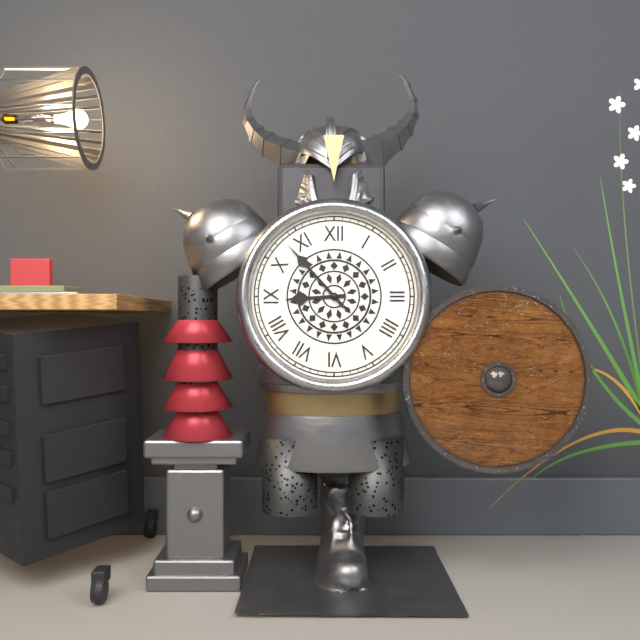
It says 8:53
